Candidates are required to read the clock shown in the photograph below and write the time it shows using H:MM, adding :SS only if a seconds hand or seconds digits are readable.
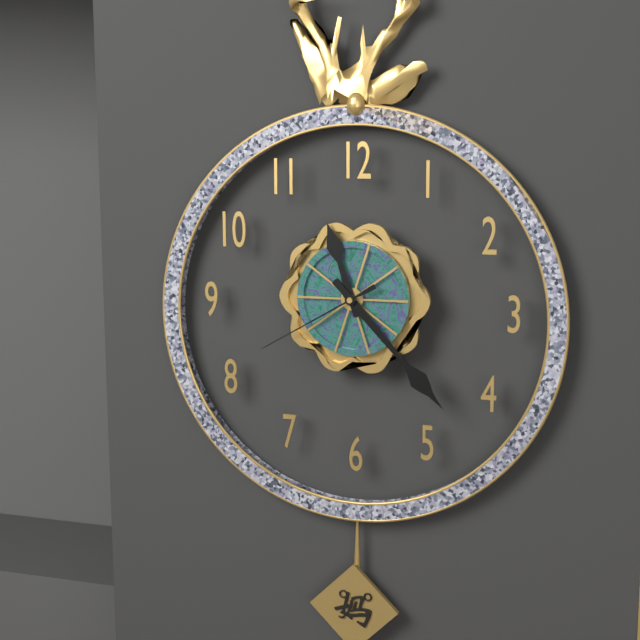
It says 11:23:40
